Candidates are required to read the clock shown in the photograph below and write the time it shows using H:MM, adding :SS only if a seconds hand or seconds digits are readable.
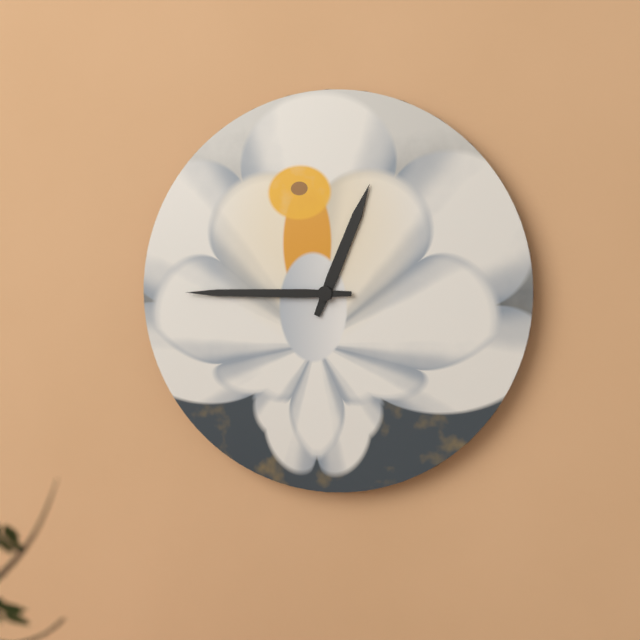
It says 12:45
